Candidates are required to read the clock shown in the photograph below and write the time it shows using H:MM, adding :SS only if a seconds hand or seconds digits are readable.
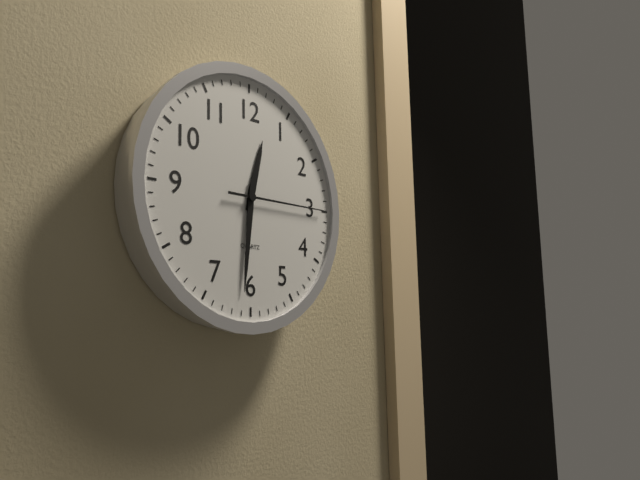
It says 12:31:15
